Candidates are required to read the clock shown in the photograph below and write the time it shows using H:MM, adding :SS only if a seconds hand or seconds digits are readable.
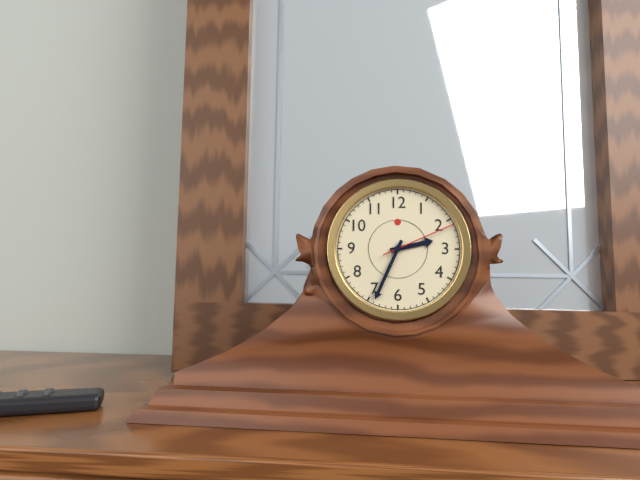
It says 2:34:11
